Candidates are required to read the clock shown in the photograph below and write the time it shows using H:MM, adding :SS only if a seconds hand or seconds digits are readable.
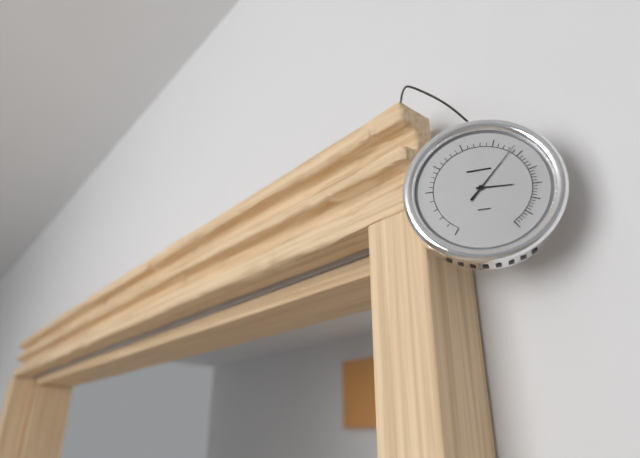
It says 3:07
